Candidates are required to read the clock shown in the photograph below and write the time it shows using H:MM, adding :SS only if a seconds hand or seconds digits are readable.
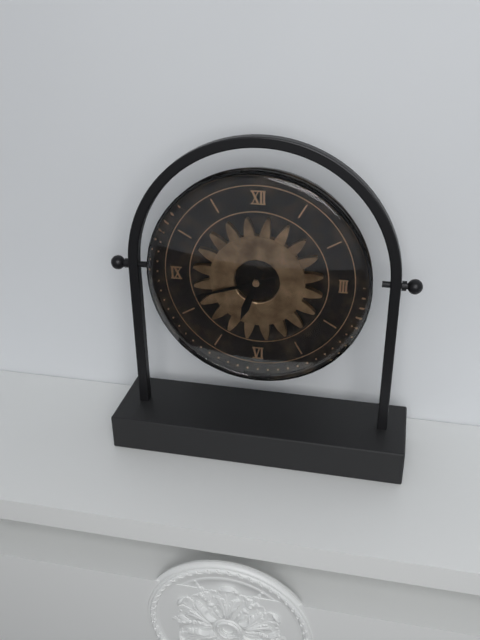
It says 6:42
